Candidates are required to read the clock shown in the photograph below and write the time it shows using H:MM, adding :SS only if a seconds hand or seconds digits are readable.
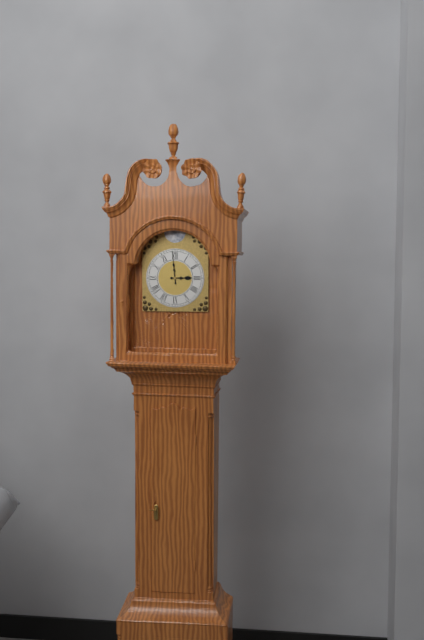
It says 2:59
